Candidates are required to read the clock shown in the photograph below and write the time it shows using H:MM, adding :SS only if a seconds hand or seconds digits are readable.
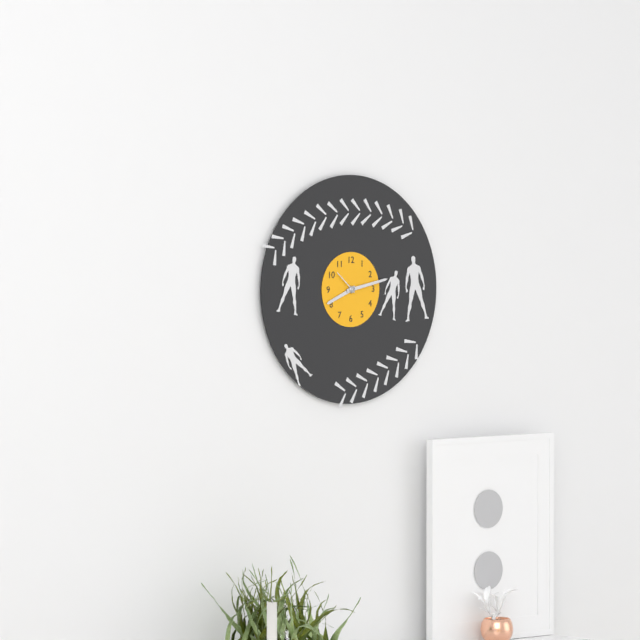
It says 8:13
